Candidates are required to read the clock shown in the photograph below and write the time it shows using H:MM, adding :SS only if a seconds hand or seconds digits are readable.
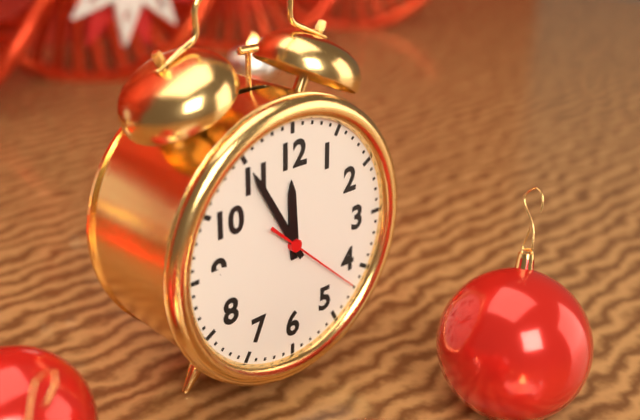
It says 11:55:22
